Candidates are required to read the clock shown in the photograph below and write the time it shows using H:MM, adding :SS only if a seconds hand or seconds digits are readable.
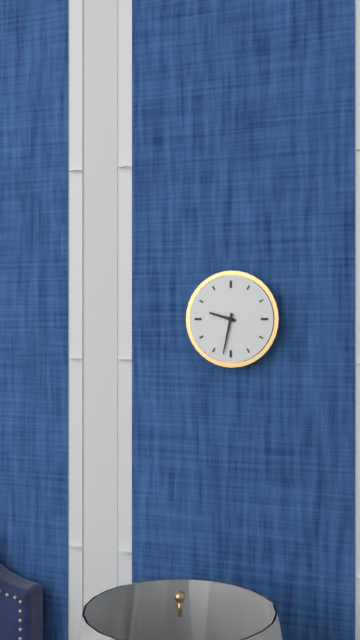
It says 9:32
